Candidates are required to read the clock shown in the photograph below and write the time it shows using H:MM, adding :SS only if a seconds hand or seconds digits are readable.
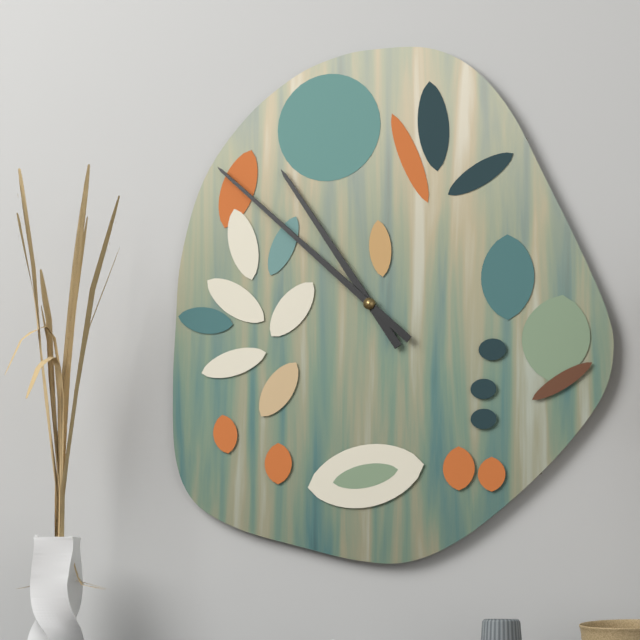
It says 10:52
